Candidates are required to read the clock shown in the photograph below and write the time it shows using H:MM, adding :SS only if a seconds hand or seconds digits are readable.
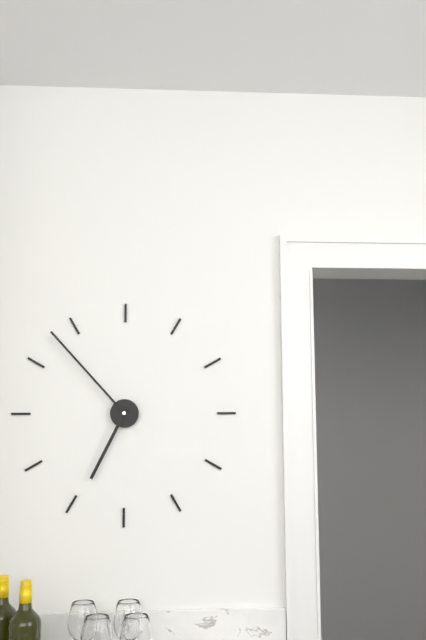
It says 6:53
